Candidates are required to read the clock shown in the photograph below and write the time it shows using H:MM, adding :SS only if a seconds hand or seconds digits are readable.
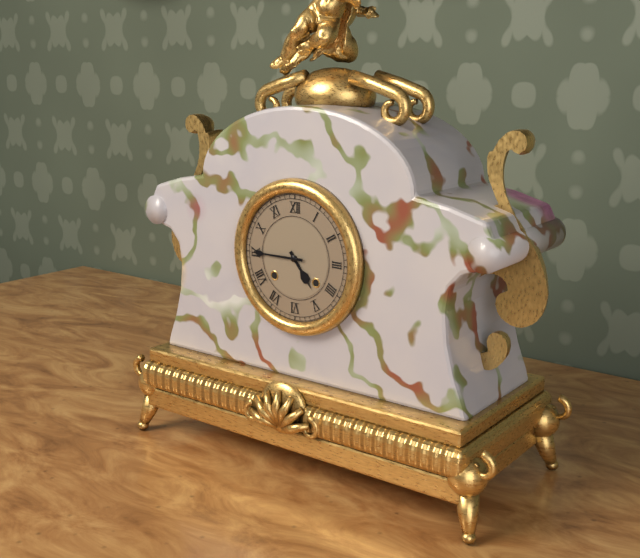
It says 4:45
